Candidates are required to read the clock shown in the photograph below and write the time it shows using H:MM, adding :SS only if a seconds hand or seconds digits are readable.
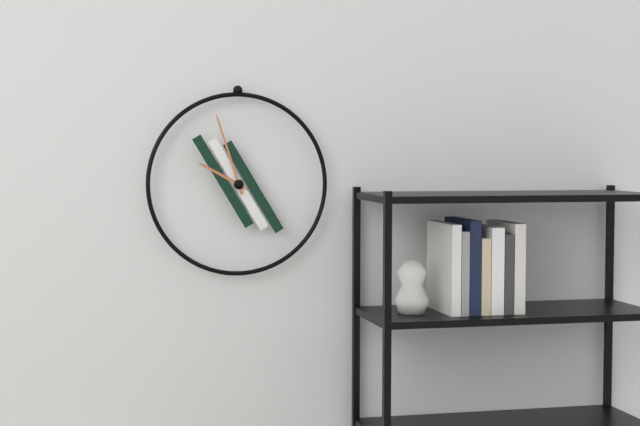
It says 9:57
